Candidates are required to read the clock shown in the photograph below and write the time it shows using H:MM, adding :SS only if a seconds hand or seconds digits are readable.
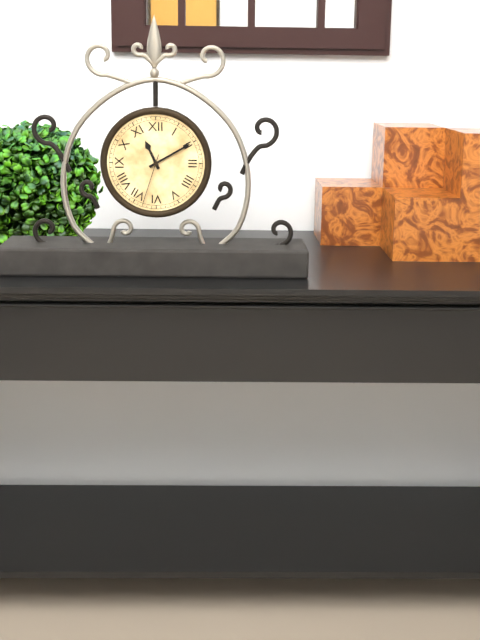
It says 11:10:33
